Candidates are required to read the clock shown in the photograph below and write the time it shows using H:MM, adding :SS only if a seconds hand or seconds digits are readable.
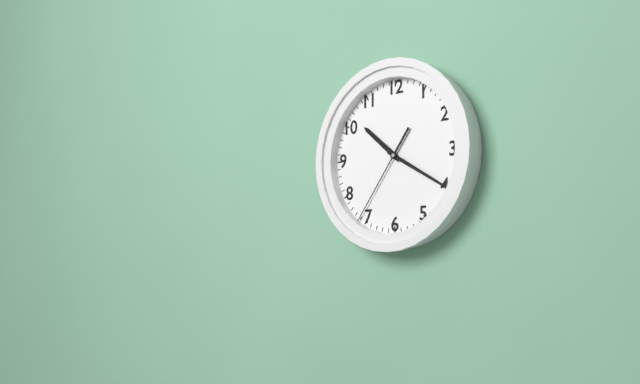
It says 10:20:36
